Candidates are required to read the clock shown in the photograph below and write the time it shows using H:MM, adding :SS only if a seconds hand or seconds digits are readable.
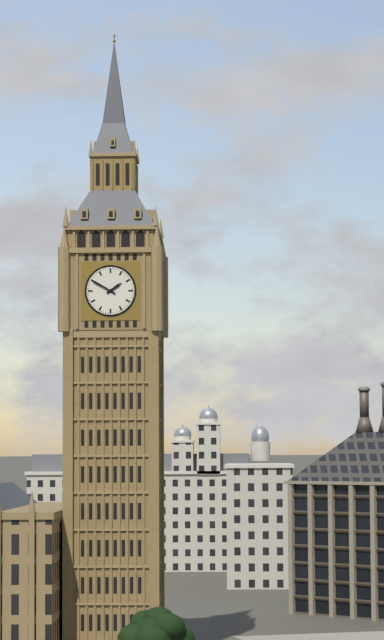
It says 1:50
